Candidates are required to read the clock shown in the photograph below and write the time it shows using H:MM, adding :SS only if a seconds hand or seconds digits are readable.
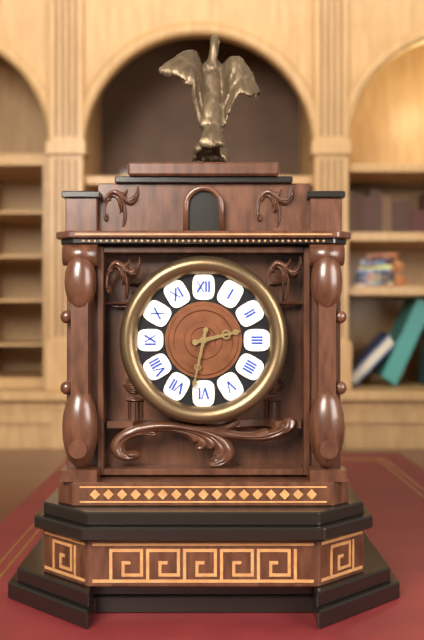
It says 2:32
